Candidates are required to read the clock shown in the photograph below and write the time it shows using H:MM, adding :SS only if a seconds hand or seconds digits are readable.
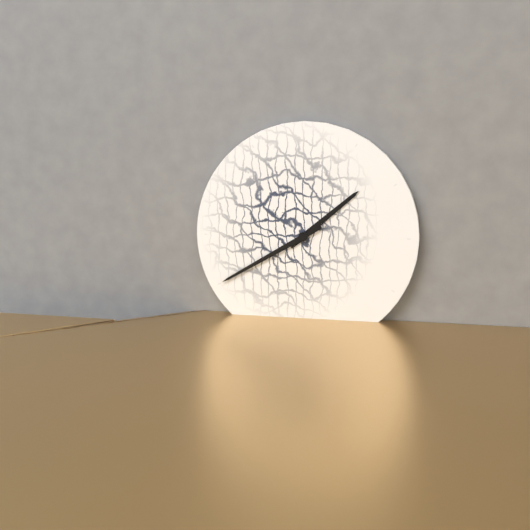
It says 1:40
